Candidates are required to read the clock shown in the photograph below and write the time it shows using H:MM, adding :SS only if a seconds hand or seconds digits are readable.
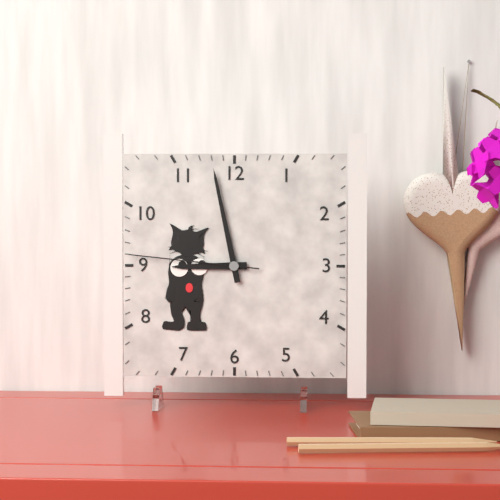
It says 8:58:46
